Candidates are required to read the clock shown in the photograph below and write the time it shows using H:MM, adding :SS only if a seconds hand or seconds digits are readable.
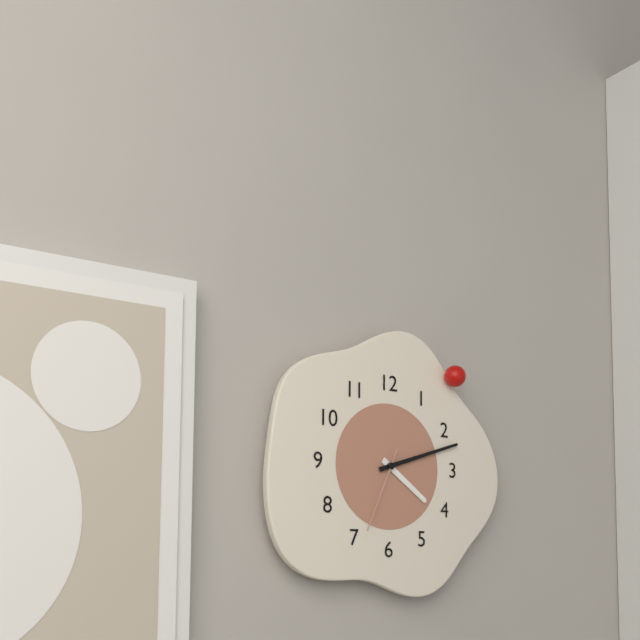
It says 4:12:34
